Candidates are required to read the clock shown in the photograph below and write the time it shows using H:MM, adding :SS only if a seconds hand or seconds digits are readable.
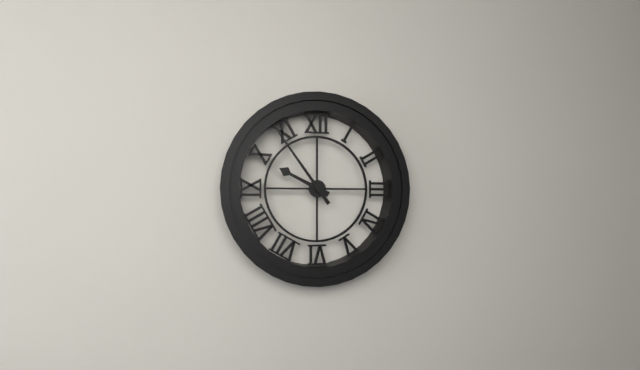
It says 9:54
